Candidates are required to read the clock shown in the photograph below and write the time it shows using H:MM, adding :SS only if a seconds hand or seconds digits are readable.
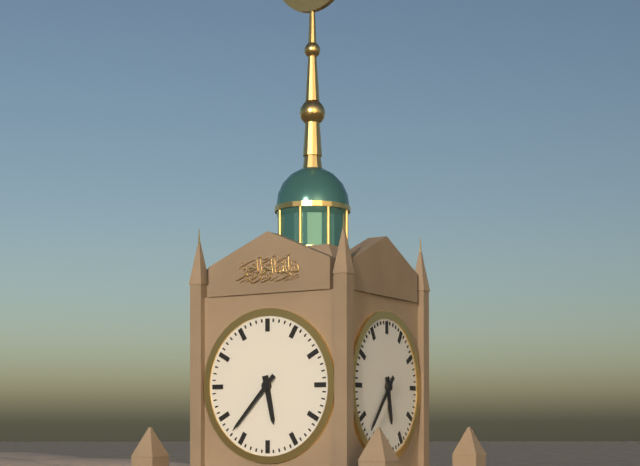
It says 5:37
